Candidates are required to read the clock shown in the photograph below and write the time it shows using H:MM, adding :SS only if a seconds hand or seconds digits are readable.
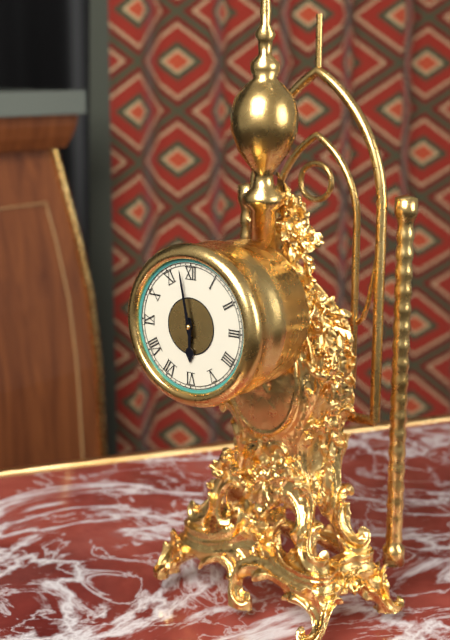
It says 5:58
